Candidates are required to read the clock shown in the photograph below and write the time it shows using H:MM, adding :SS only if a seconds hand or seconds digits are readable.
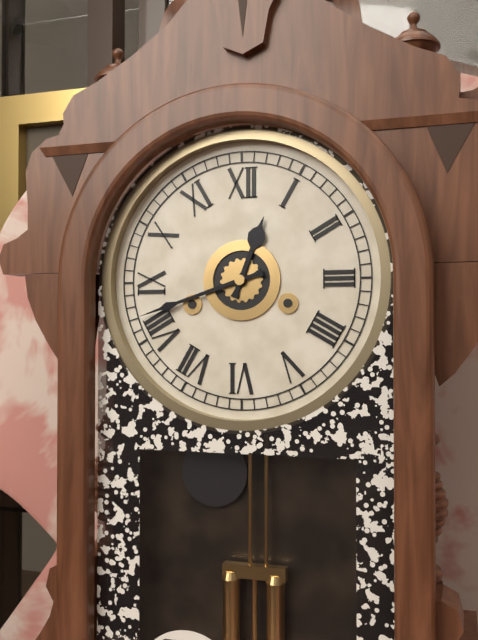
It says 12:42
